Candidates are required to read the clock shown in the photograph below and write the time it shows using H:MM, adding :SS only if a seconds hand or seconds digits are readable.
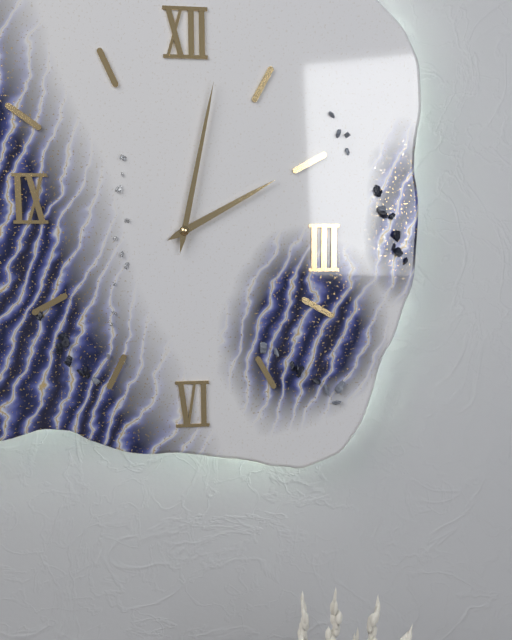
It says 2:02
